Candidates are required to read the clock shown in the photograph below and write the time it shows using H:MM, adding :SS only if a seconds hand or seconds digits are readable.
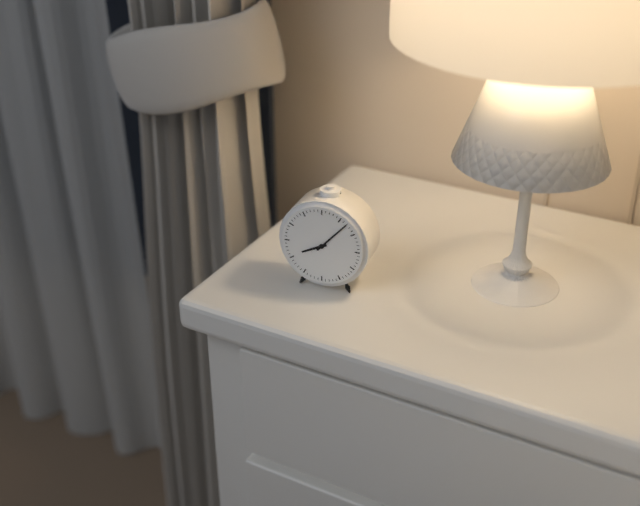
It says 8:07
